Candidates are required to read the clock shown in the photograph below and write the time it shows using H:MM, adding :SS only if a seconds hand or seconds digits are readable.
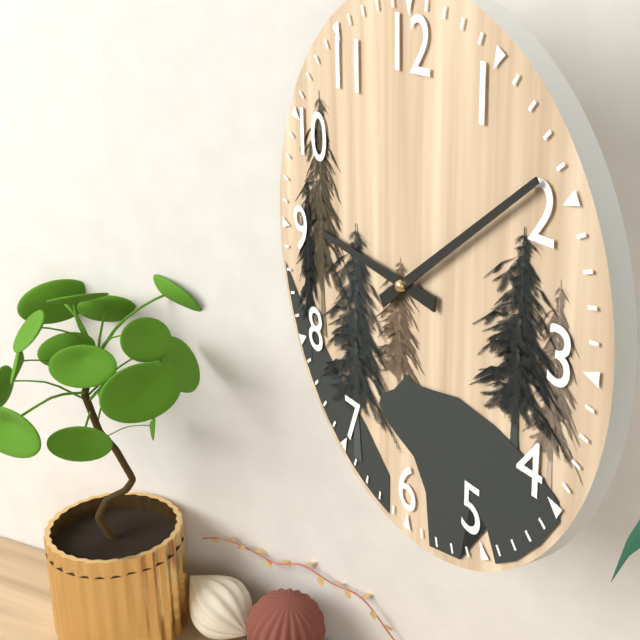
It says 9:09
